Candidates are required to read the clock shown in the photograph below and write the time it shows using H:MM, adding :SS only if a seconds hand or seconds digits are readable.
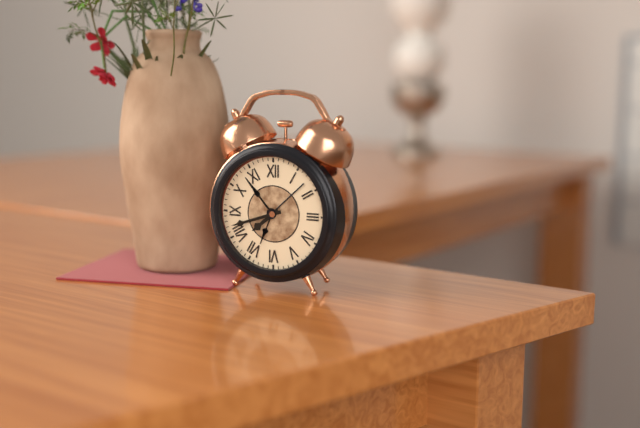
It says 7:42
